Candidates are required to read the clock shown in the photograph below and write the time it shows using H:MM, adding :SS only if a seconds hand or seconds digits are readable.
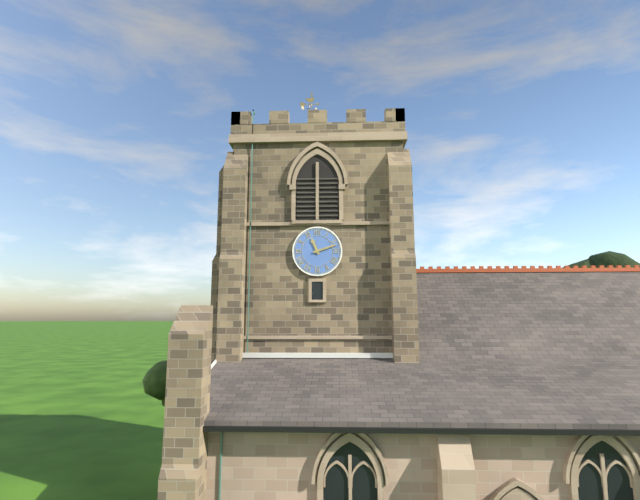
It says 11:12
